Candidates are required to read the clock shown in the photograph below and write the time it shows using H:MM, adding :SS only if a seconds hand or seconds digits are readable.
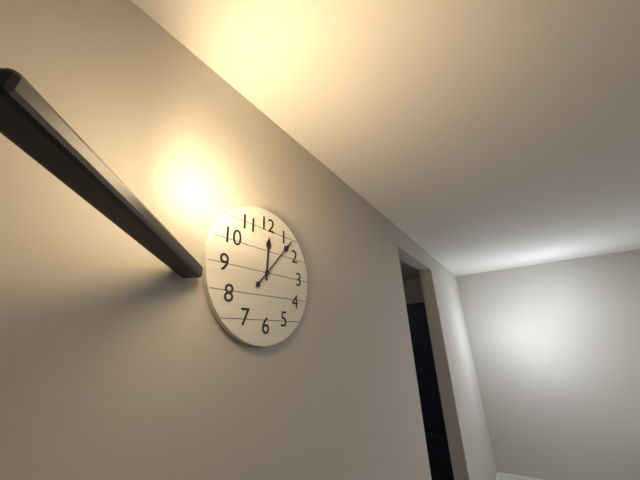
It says 12:07
